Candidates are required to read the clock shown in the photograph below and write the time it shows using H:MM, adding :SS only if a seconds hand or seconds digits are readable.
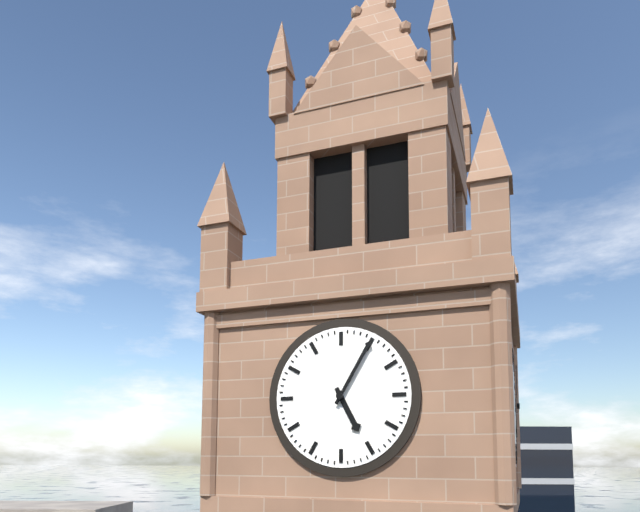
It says 5:05
